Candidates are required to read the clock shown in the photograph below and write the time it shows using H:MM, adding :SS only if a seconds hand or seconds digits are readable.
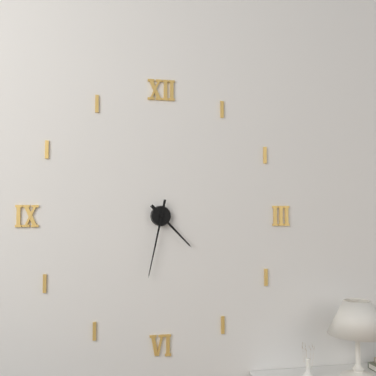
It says 4:32
